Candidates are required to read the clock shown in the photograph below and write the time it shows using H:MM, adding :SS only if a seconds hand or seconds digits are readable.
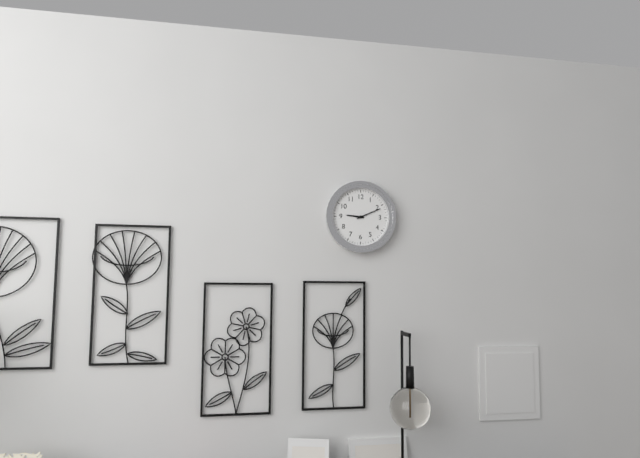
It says 9:11
